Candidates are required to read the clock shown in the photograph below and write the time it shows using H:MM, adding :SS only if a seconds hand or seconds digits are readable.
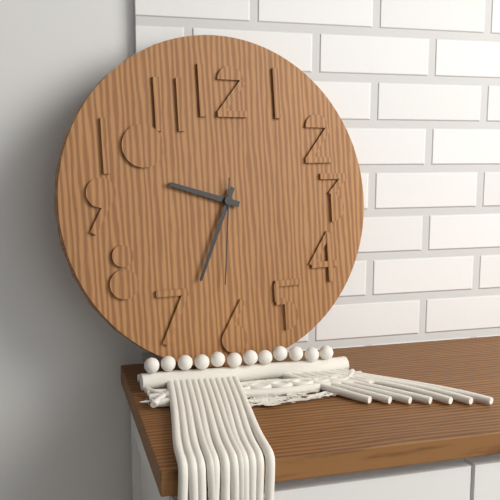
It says 9:34:31
